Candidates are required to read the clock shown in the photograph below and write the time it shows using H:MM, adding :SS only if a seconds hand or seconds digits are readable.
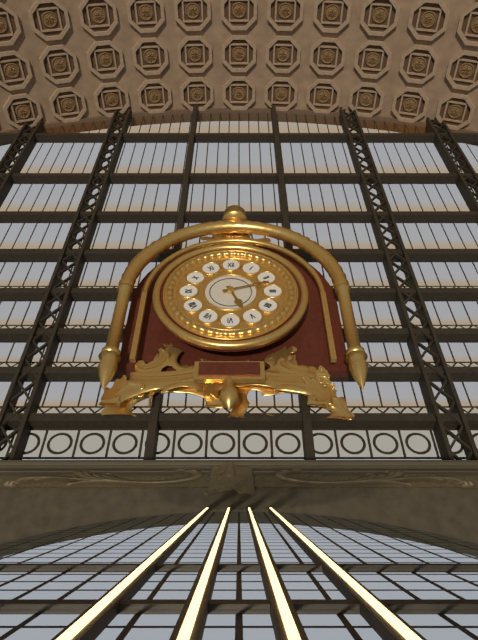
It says 5:12
